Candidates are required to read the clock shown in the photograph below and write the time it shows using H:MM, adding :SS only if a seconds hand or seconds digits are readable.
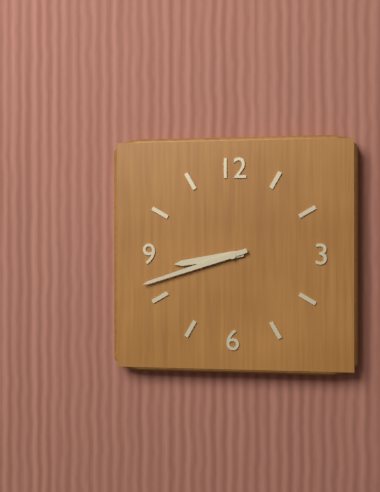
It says 8:42
